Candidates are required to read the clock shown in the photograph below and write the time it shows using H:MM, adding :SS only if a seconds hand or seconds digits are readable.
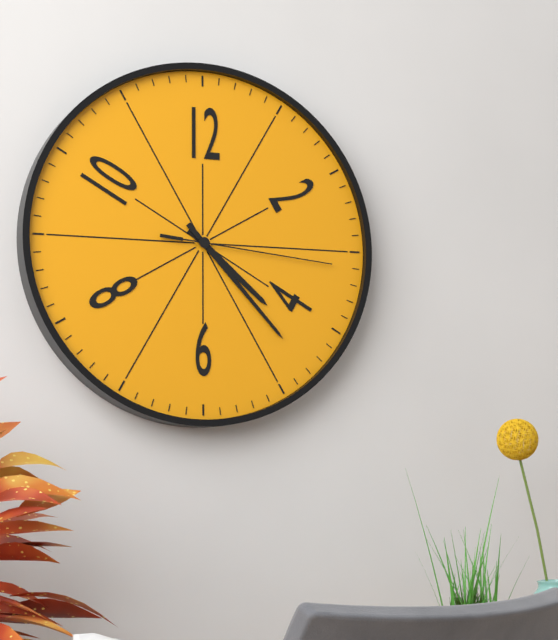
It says 4:23:16
